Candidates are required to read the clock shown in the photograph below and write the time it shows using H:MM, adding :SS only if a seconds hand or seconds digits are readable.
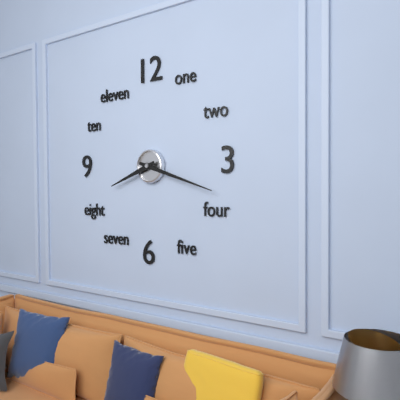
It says 8:18
